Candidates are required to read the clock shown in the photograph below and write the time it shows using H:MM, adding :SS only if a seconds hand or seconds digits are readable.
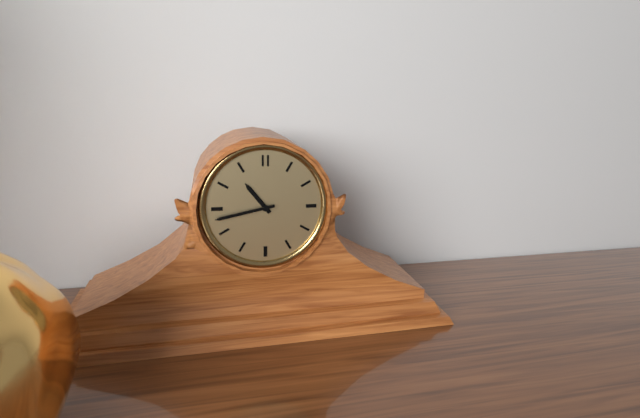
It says 10:43
